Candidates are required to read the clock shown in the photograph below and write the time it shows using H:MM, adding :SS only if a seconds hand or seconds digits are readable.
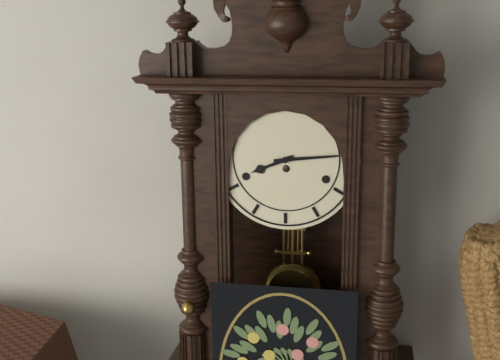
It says 8:14
